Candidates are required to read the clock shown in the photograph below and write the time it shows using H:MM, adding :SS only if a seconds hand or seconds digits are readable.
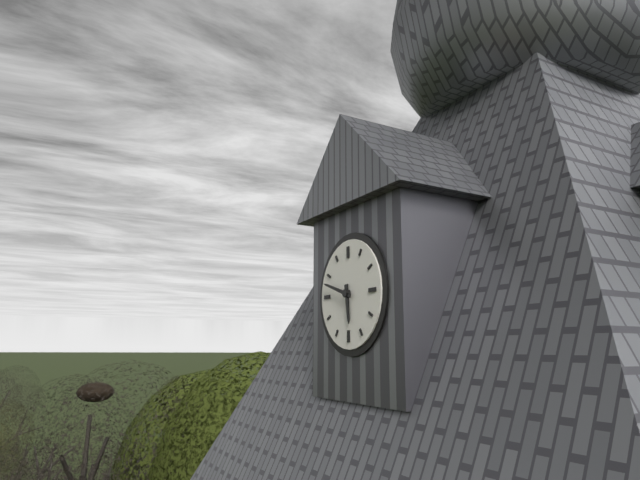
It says 5:48
